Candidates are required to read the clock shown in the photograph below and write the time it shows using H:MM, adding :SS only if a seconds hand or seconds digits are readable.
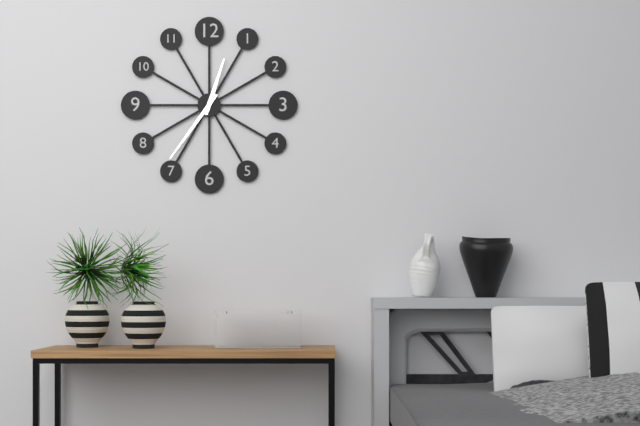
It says 12:36
